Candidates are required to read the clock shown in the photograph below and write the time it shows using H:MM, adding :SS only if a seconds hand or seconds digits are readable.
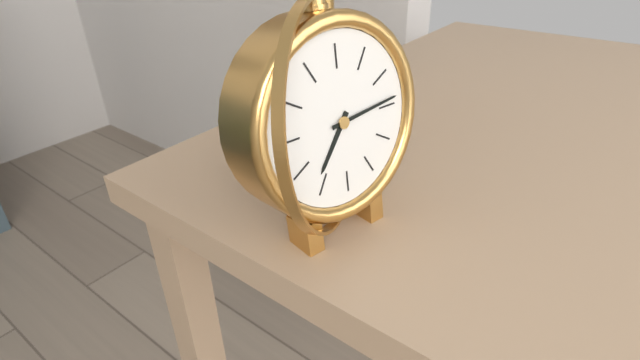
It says 7:14
